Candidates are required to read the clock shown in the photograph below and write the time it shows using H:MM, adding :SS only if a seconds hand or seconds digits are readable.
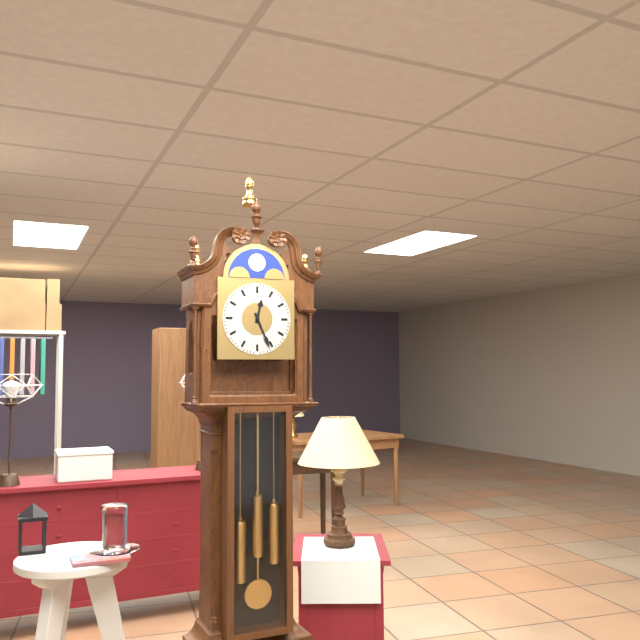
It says 12:26
